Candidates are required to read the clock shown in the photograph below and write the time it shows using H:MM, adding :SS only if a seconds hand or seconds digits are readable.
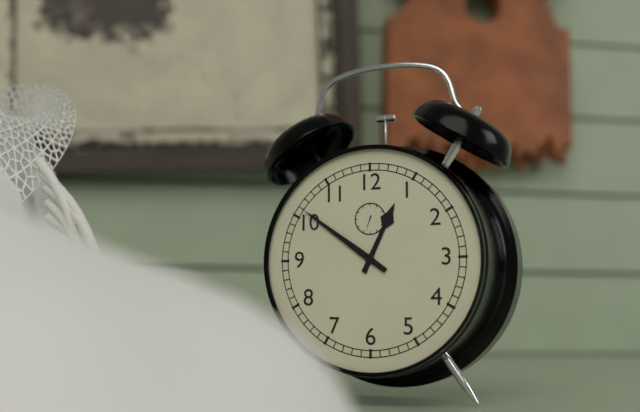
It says 12:51
